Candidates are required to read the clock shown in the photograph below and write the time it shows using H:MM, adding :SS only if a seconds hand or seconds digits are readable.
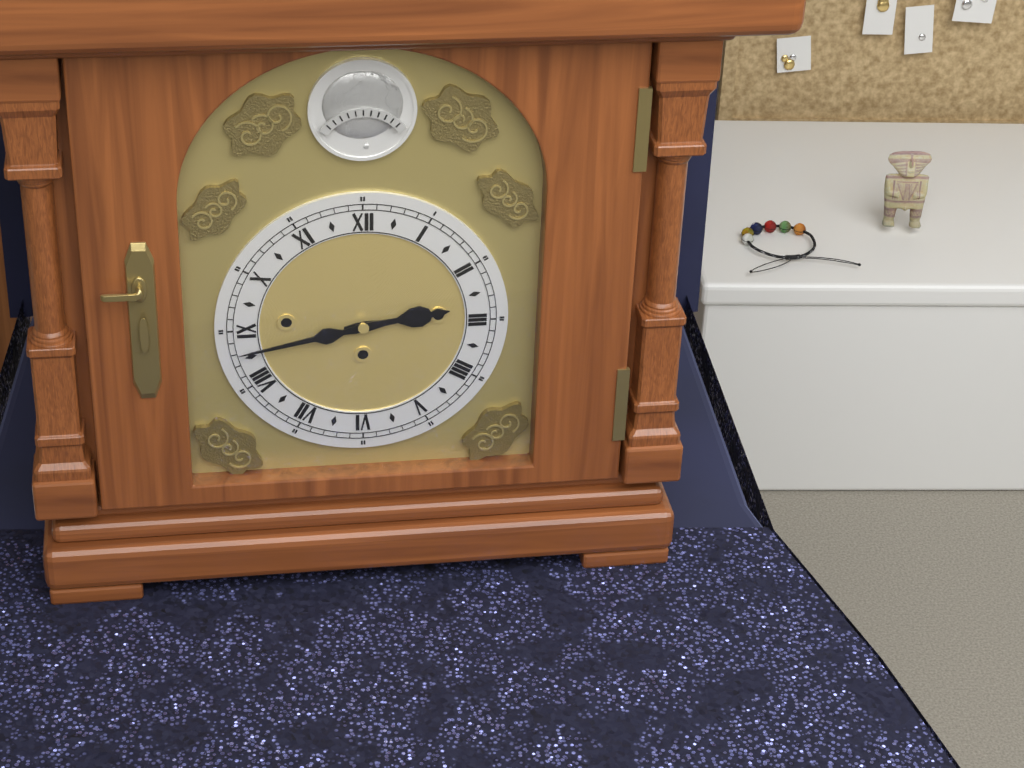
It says 2:43
